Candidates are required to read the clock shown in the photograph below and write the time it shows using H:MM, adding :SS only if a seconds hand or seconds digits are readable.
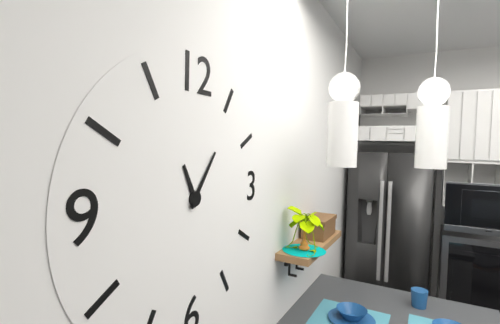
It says 11:06
